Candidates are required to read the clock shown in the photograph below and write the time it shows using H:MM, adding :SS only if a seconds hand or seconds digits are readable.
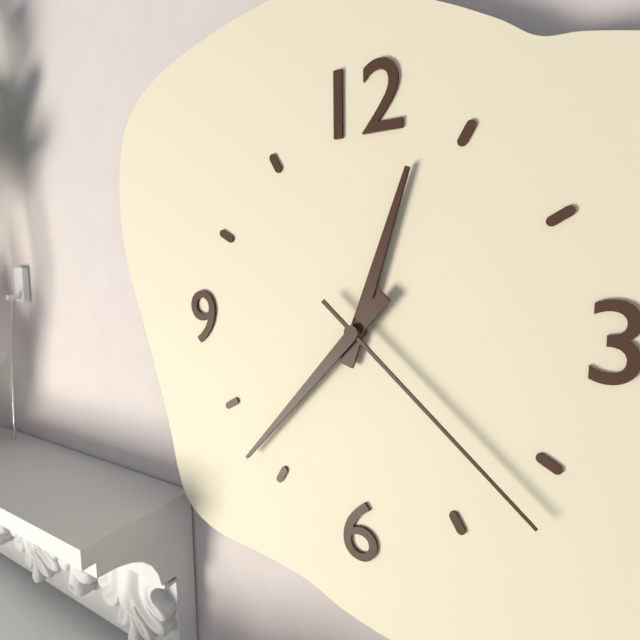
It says 12:37:22
